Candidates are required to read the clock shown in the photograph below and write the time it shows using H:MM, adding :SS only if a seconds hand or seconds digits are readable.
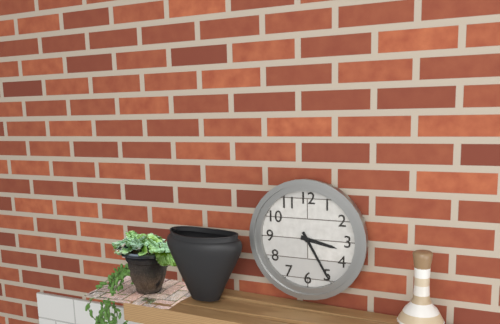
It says 3:25
